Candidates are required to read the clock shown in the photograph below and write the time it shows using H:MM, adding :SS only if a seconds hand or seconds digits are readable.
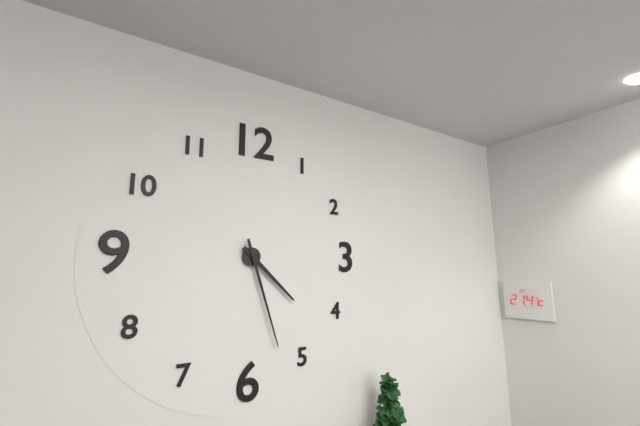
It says 4:27
